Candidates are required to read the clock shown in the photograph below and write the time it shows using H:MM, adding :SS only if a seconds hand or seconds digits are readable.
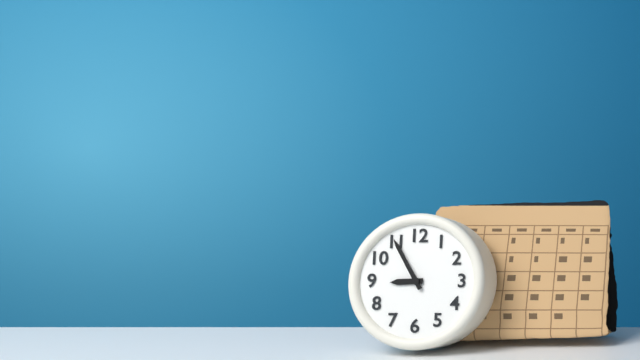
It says 8:55
